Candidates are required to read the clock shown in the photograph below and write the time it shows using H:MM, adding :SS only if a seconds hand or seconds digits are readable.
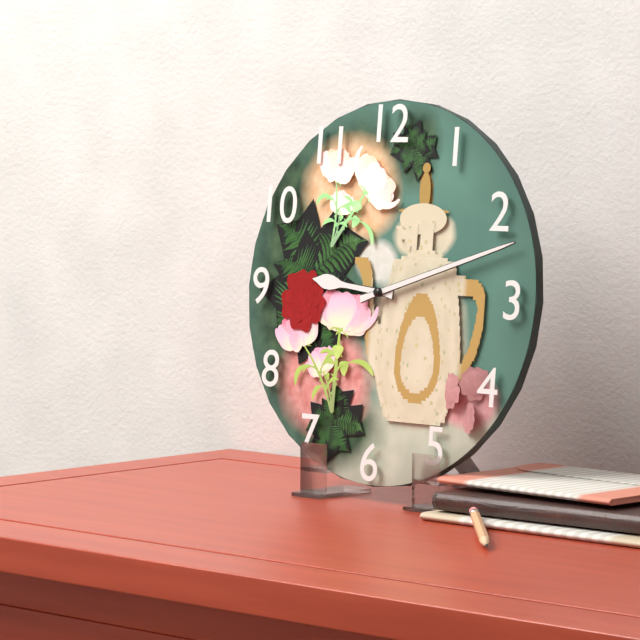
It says 9:12
